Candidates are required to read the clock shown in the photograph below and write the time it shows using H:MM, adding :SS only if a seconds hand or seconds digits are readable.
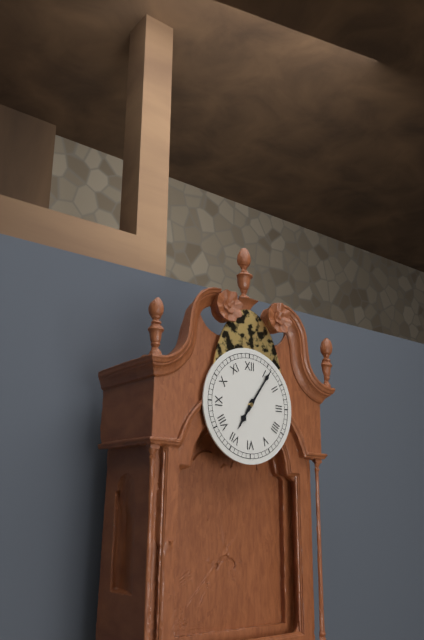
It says 7:06
